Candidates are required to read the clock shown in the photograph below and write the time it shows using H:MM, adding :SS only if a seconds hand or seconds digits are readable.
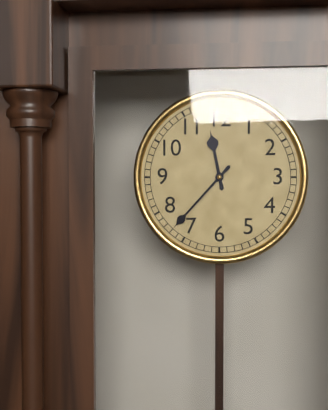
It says 11:37
